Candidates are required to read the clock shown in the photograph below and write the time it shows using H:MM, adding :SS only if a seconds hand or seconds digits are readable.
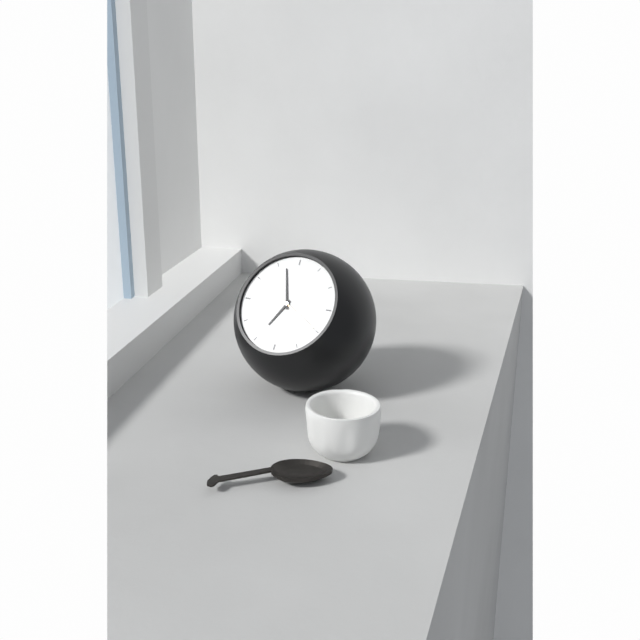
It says 6:57
